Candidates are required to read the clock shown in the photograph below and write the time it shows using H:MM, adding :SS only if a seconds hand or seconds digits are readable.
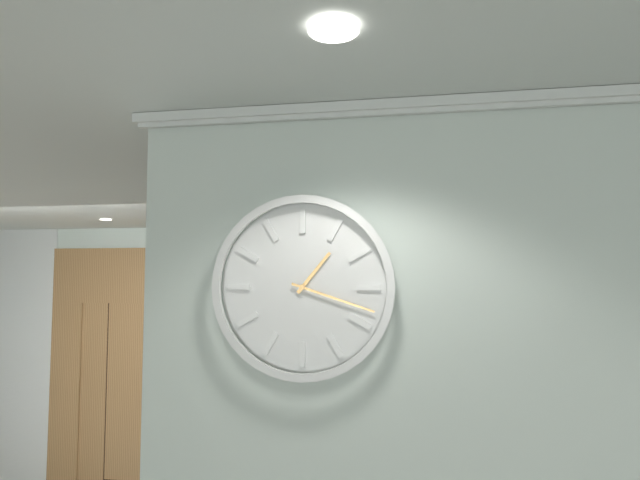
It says 1:18
